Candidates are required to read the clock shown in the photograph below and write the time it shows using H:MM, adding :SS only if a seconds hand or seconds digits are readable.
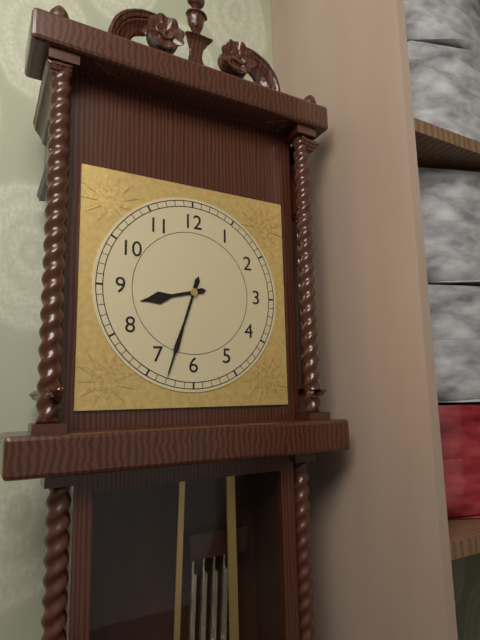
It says 8:33
